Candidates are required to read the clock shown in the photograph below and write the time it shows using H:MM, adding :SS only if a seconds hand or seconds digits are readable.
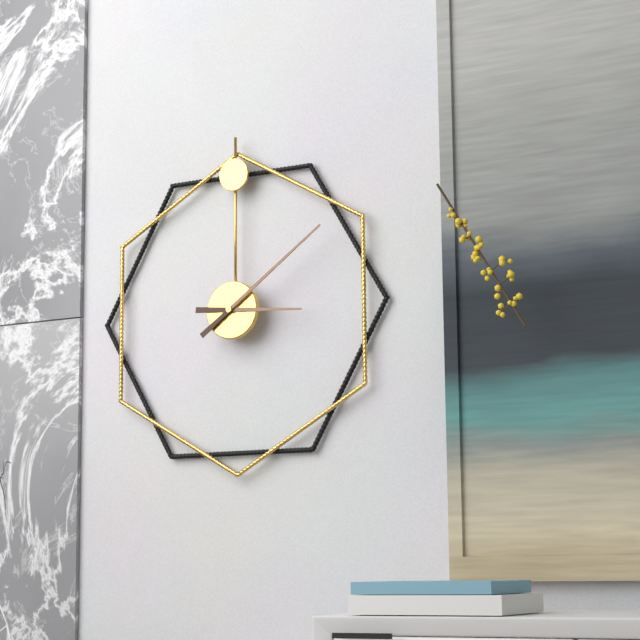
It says 3:09
